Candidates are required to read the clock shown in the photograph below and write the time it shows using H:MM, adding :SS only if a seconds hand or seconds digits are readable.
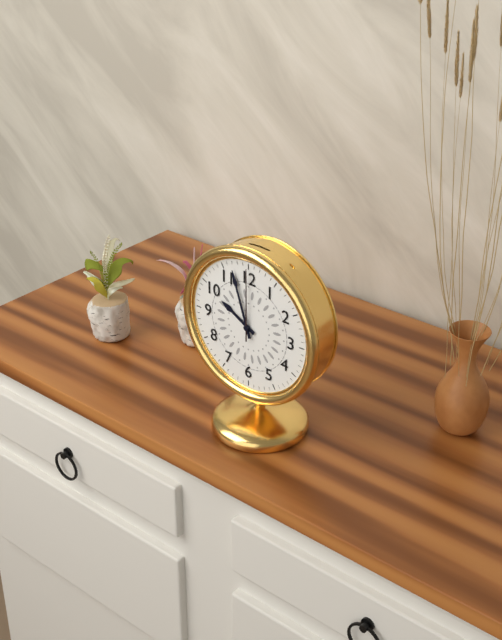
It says 9:57:00
